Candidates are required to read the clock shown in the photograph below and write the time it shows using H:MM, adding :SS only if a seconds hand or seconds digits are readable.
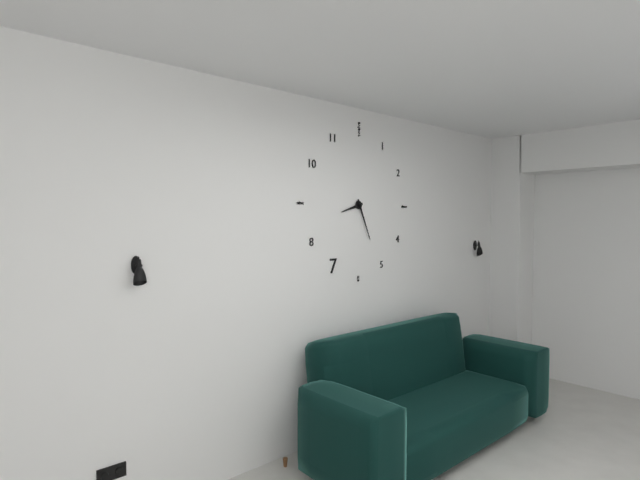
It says 8:26
